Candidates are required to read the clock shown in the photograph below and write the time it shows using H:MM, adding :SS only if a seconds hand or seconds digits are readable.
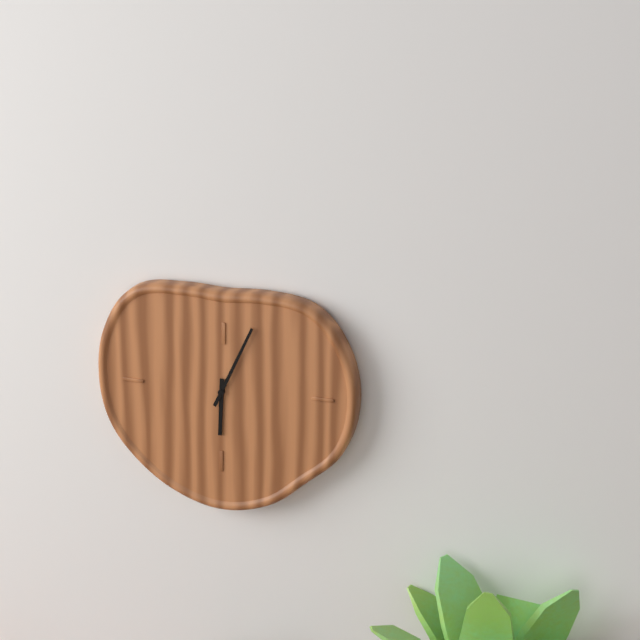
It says 6:04
